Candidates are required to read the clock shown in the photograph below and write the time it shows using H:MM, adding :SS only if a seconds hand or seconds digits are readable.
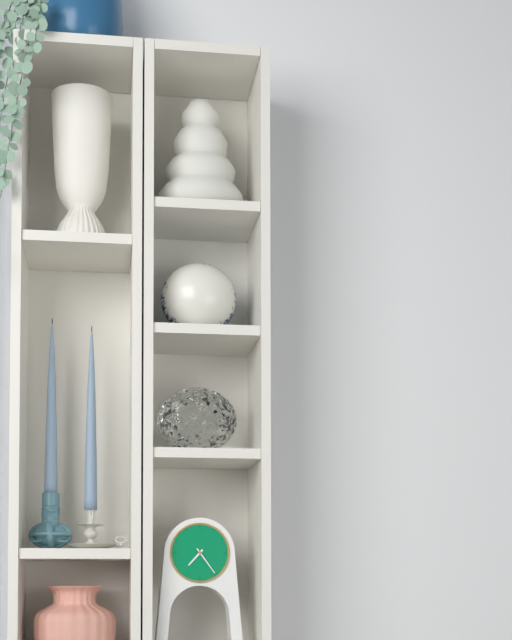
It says 7:24
